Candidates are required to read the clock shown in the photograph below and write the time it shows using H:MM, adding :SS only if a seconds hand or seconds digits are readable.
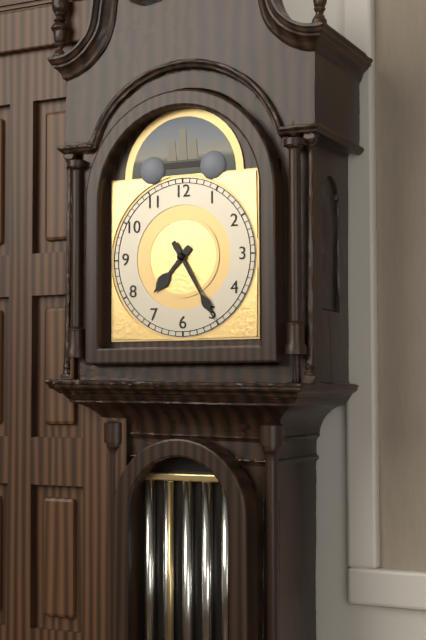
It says 7:25
